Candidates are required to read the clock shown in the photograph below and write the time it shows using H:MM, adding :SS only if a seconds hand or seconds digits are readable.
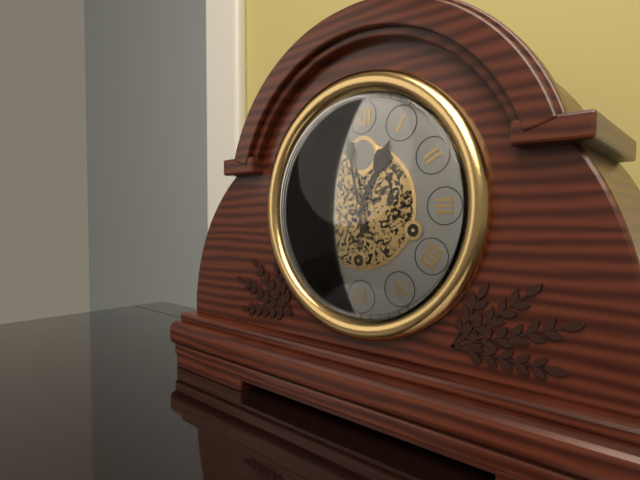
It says 12:58
